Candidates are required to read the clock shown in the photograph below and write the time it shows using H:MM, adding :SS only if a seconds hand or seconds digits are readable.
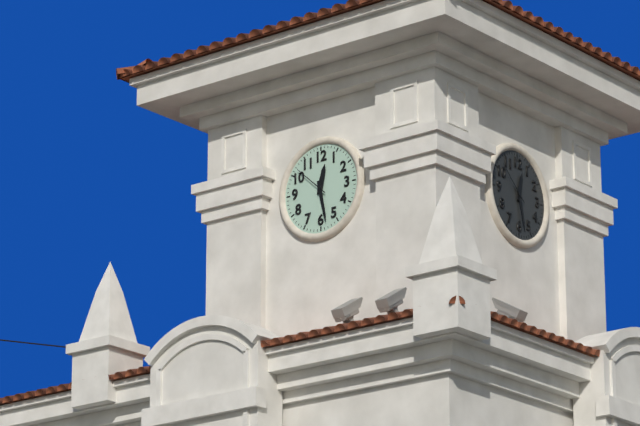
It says 12:28
